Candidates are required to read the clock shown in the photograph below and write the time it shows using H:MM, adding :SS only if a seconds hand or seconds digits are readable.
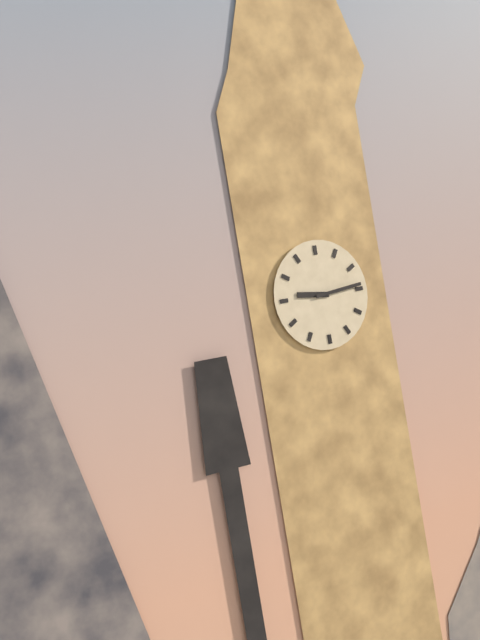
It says 9:14
